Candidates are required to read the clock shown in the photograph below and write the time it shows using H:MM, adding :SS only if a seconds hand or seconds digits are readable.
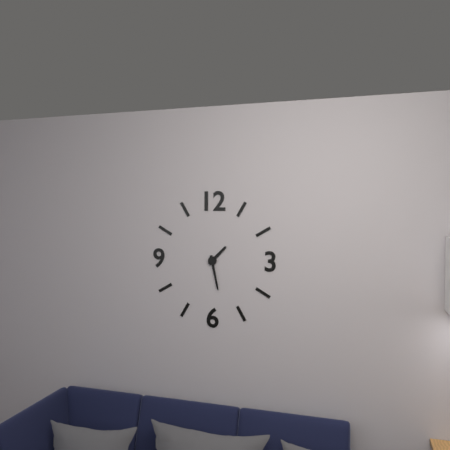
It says 1:28
